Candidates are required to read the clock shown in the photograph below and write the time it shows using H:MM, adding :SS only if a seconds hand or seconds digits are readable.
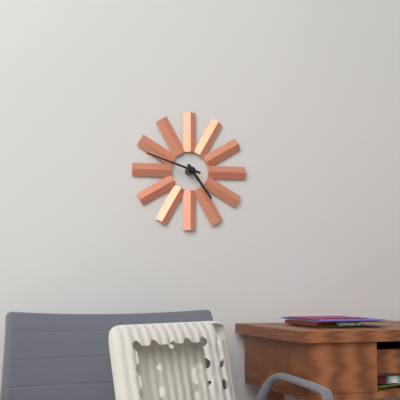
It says 4:48
